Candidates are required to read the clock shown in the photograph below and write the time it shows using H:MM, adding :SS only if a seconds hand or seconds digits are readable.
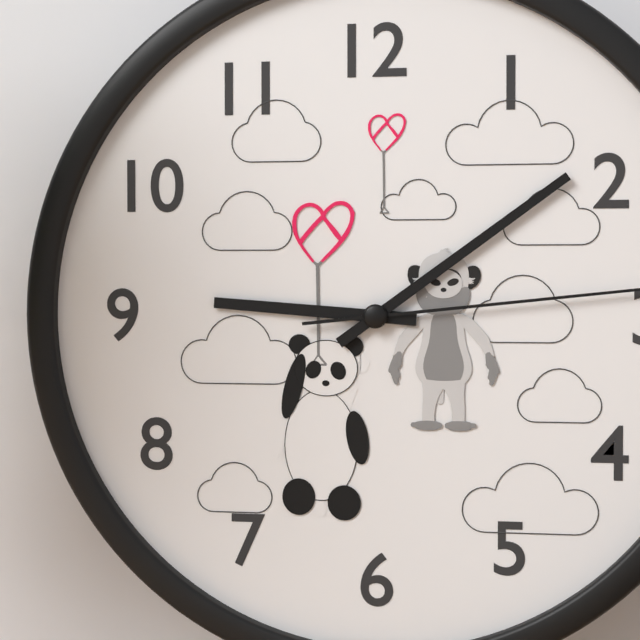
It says 9:09
